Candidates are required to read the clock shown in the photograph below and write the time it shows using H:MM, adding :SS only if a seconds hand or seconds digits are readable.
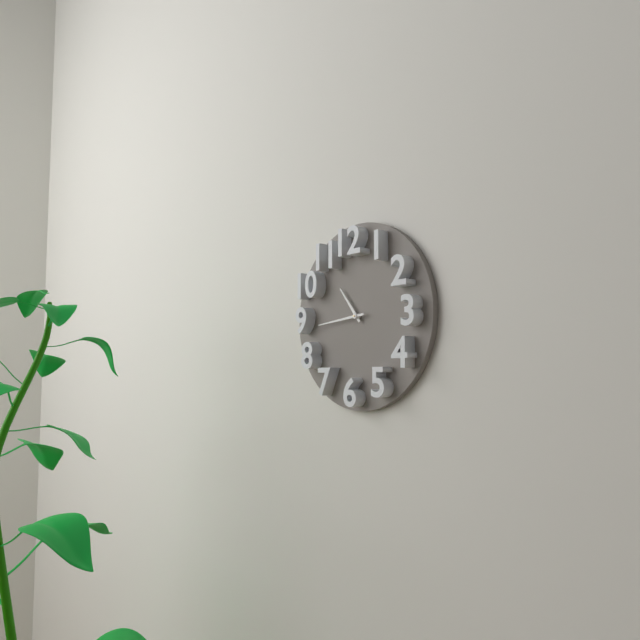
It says 10:44
